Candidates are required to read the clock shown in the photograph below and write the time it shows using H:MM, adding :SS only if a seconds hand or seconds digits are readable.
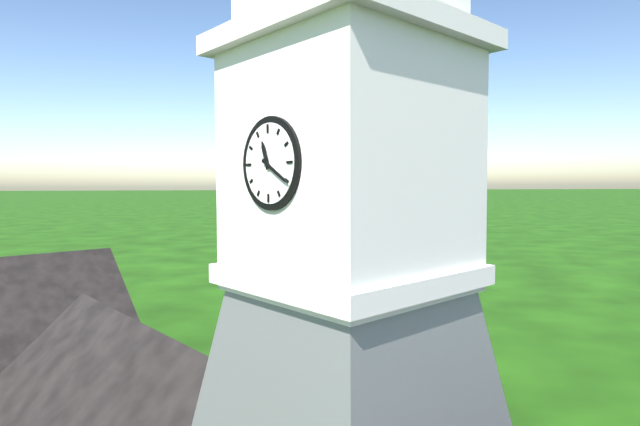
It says 11:20
